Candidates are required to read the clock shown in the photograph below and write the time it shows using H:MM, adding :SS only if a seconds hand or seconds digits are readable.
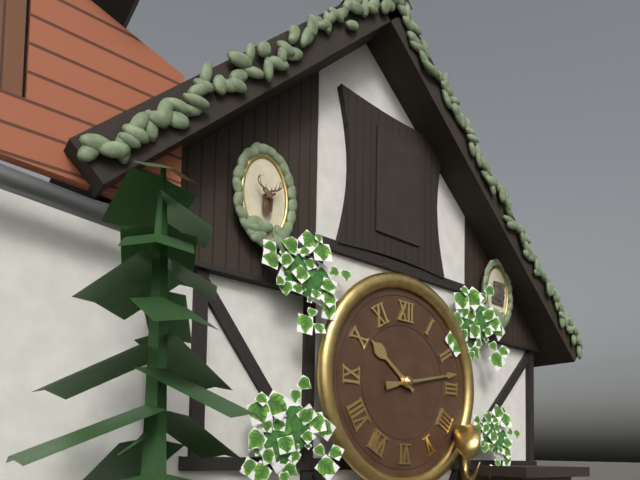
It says 10:13
